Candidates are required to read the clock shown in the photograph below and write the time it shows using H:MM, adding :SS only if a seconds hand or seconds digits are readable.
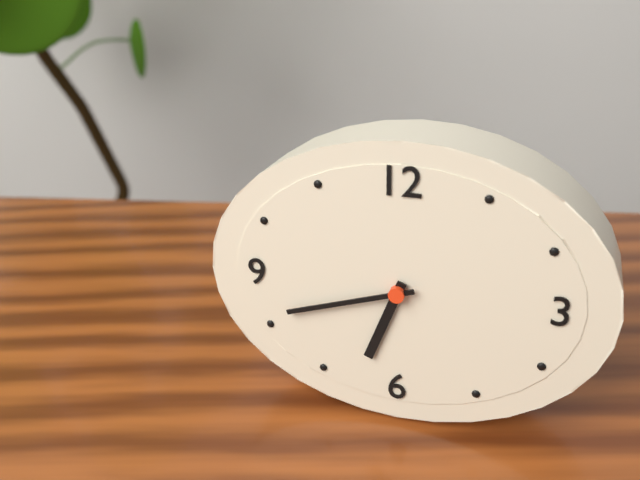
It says 6:42
